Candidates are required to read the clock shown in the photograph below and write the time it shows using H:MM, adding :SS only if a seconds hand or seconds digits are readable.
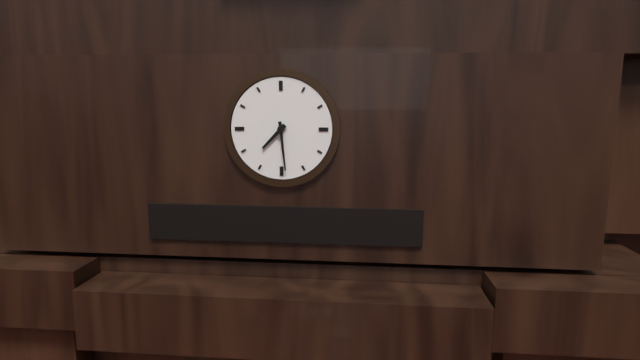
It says 7:29
